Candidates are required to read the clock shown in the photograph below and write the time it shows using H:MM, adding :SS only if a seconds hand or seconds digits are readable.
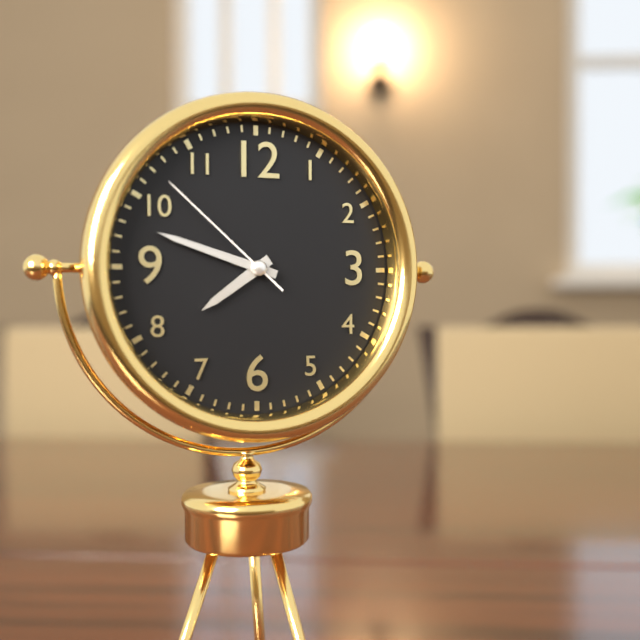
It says 7:48:52
